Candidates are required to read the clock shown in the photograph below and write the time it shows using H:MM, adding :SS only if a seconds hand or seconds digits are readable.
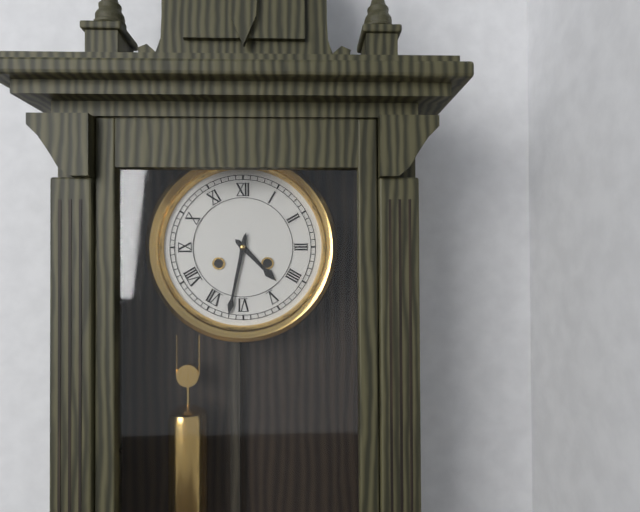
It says 4:32
